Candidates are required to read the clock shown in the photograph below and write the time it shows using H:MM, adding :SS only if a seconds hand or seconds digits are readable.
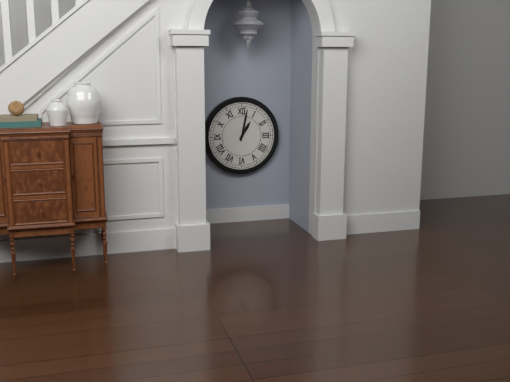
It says 1:02
